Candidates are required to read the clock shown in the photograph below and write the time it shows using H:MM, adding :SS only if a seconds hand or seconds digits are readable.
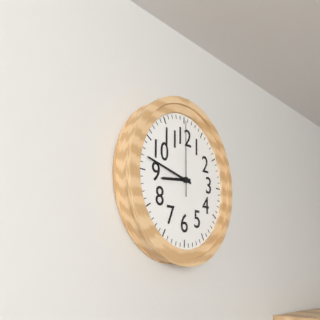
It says 8:47:00
